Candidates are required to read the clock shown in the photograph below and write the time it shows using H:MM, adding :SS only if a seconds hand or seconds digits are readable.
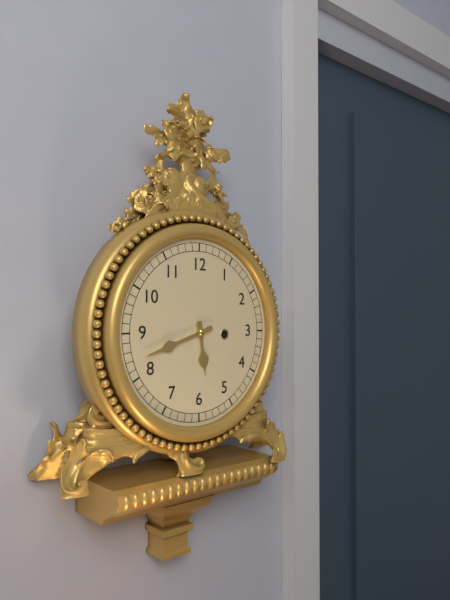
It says 5:42
